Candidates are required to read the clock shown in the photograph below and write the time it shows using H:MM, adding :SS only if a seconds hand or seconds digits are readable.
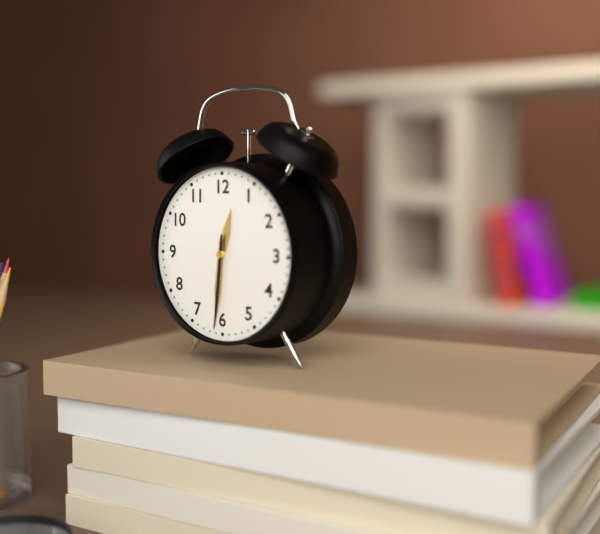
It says 12:31:31
